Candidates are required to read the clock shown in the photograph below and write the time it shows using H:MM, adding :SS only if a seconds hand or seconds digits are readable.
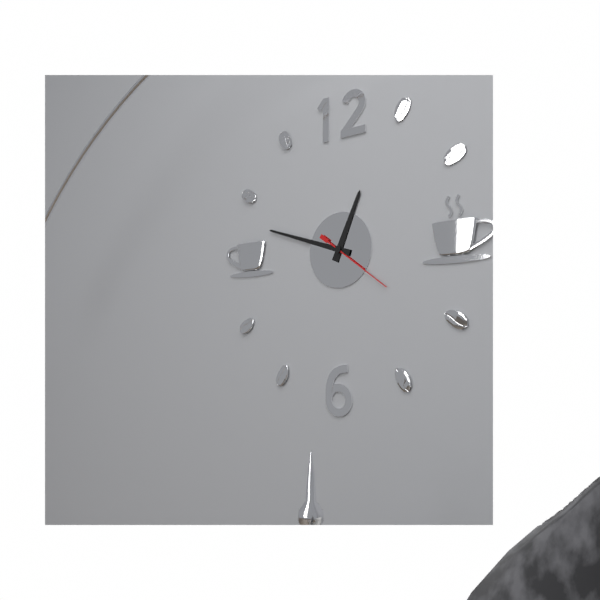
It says 12:48:21
